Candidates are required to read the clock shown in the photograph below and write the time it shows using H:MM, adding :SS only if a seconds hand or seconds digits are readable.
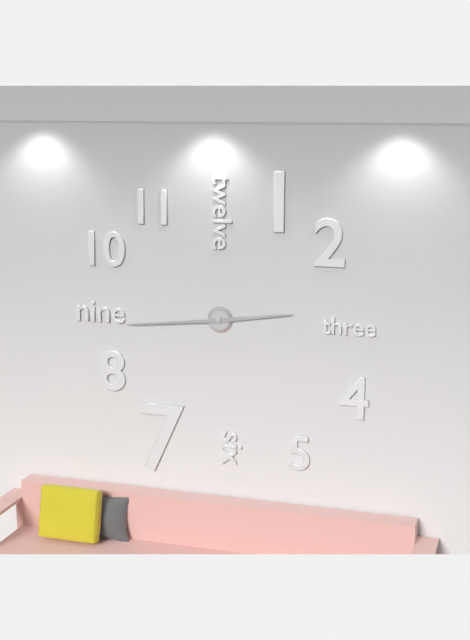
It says 2:44
